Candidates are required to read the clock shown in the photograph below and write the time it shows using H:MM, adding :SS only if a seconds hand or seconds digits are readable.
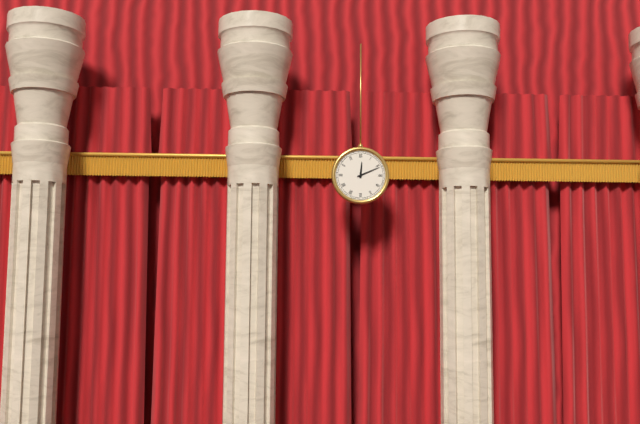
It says 12:11
